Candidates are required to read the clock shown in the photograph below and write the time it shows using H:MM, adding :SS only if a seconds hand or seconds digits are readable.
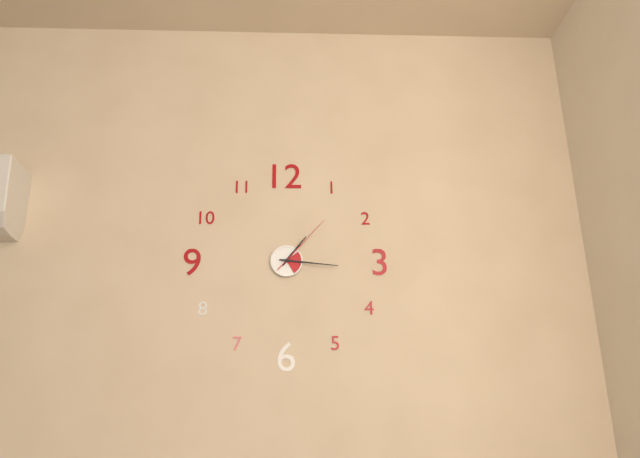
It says 1:16:07
